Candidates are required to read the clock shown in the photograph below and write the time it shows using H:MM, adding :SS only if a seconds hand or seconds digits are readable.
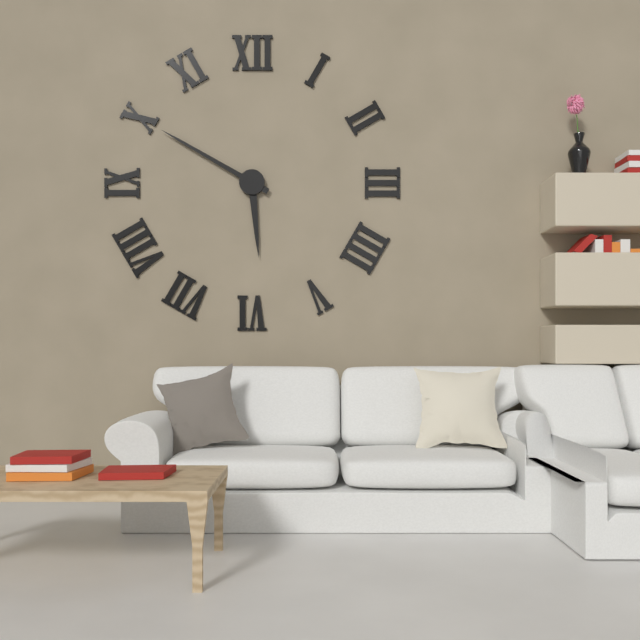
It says 5:50
